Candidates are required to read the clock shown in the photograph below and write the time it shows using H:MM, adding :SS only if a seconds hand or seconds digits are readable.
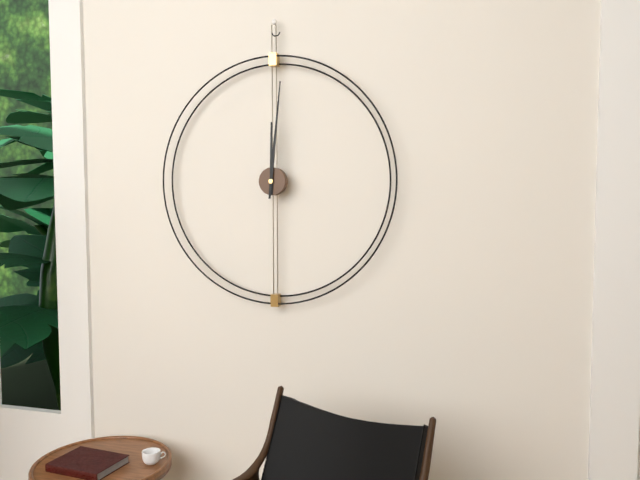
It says 12:01
